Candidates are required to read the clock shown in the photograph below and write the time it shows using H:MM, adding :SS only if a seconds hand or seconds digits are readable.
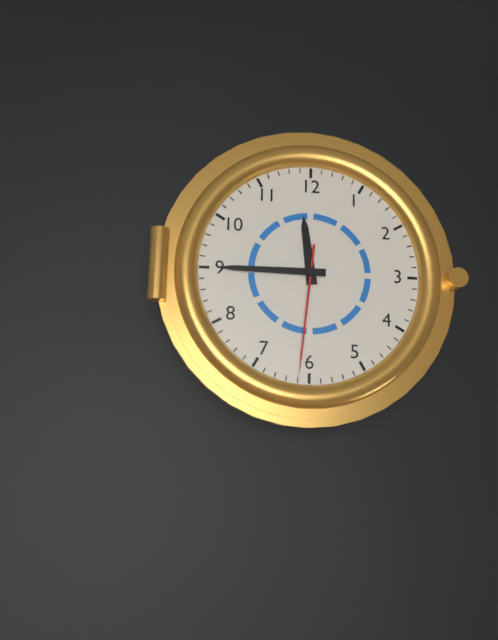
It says 11:45:31
